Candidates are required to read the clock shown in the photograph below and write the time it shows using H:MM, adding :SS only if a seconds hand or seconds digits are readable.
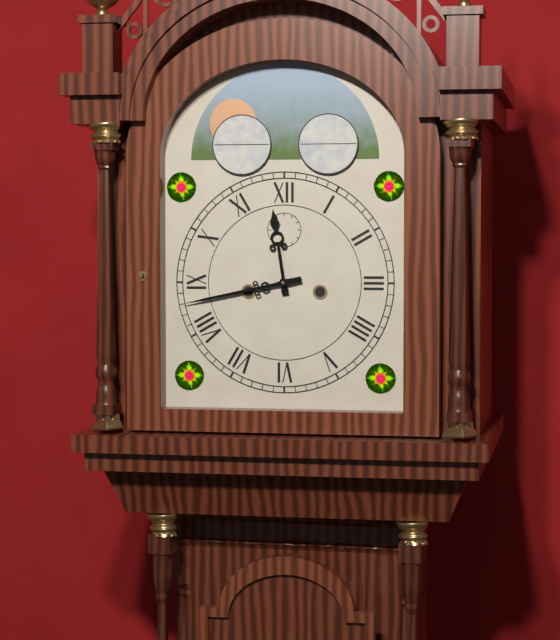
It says 11:43
